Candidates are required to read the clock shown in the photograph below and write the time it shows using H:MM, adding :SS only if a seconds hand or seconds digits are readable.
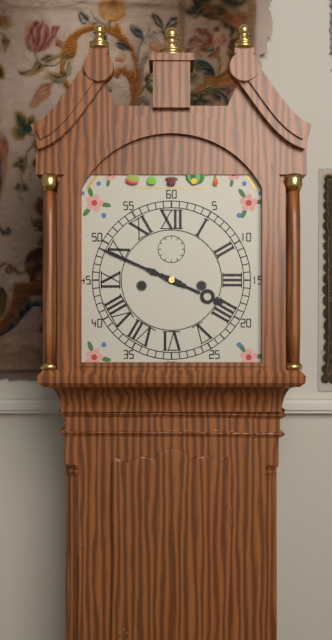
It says 3:49
